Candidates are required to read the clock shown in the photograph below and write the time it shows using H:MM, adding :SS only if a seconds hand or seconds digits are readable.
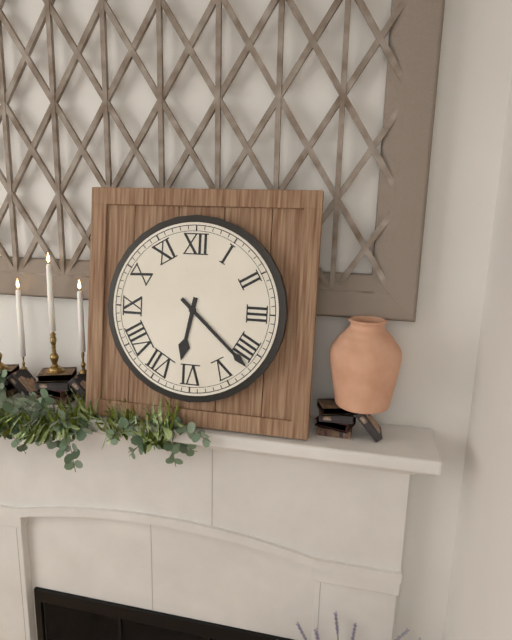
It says 6:22
